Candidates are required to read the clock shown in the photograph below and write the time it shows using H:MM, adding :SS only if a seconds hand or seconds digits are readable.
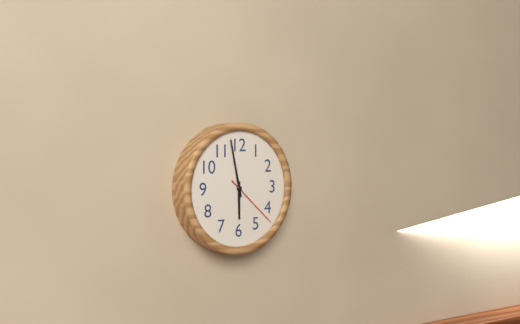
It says 5:58:22
